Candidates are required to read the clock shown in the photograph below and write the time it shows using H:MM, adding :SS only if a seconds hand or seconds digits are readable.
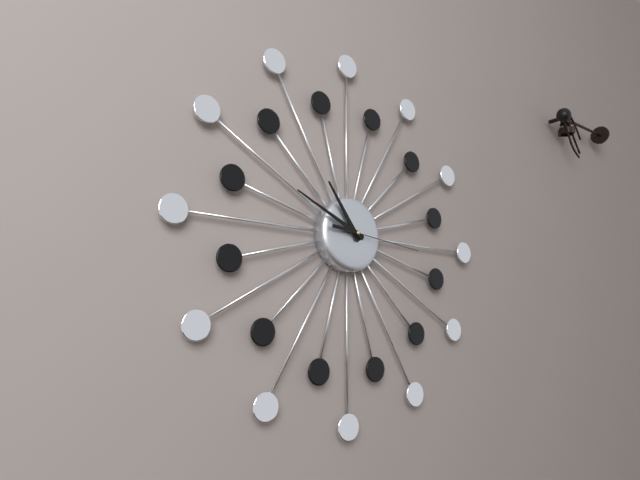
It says 10:49:16
